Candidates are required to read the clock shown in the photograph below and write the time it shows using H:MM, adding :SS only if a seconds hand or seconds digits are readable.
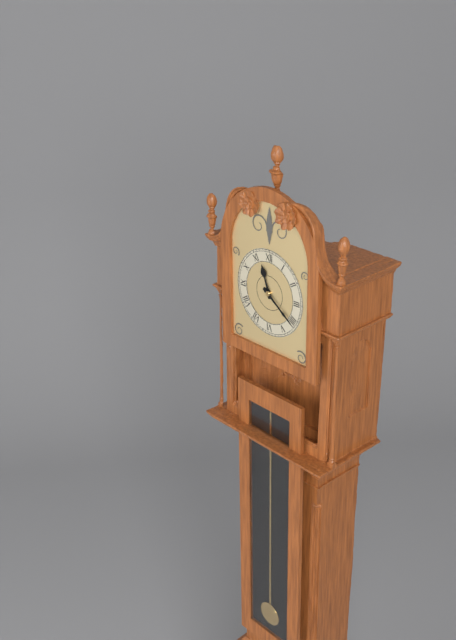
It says 11:21
